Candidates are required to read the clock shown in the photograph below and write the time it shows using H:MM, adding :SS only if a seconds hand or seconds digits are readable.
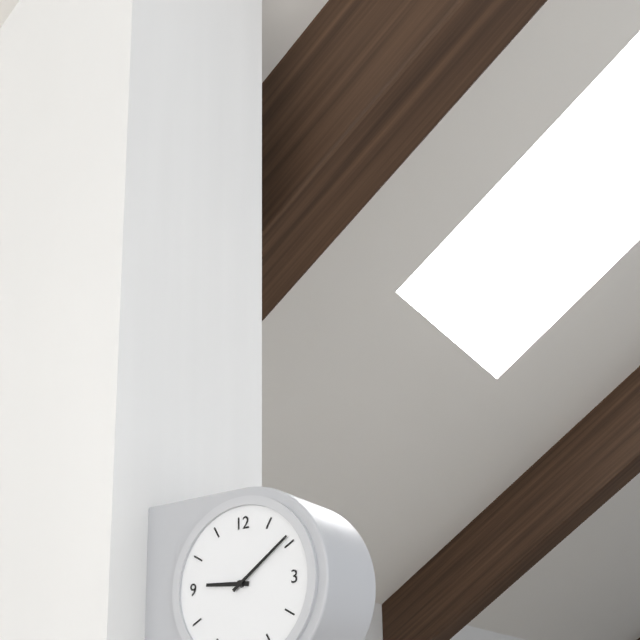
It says 9:09
